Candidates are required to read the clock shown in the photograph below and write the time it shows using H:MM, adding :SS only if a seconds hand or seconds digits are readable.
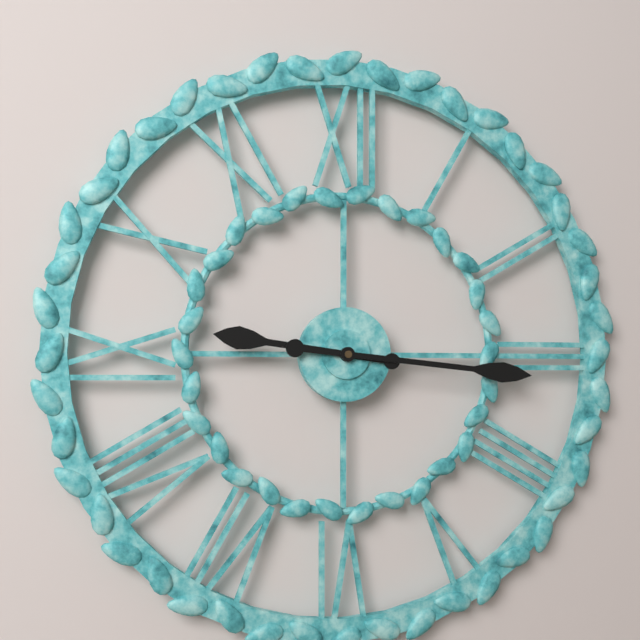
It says 9:16
